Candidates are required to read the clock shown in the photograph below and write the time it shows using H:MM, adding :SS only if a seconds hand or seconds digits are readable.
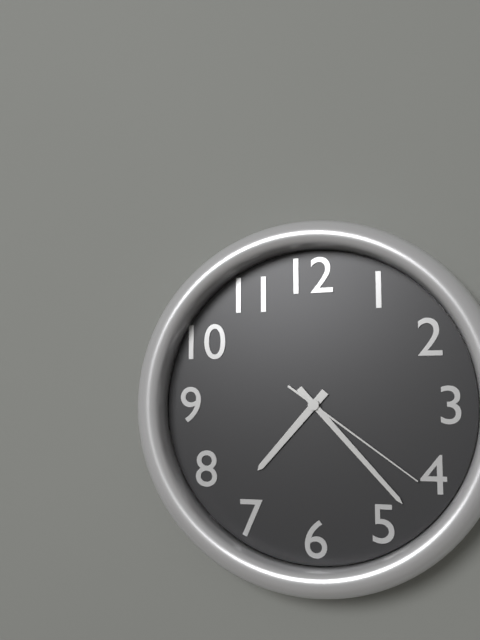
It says 7:23:21
